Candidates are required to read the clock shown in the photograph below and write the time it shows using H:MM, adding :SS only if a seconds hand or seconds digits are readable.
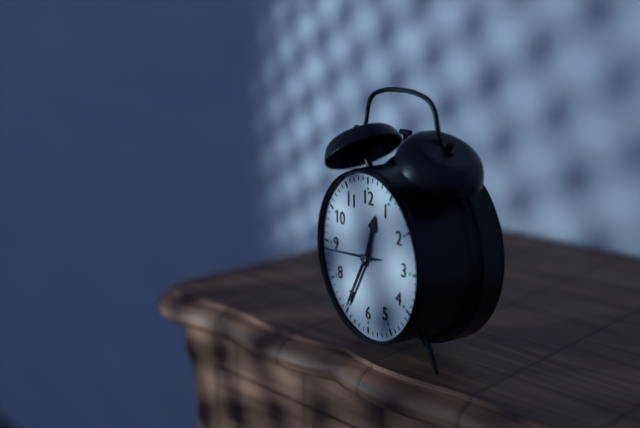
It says 12:35:44
